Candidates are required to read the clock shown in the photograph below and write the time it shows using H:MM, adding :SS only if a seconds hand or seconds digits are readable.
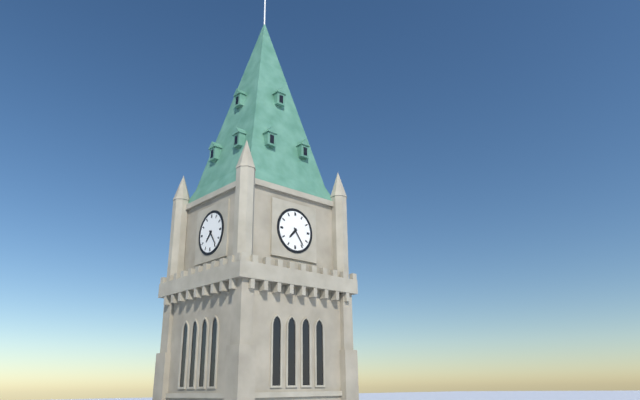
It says 7:24
